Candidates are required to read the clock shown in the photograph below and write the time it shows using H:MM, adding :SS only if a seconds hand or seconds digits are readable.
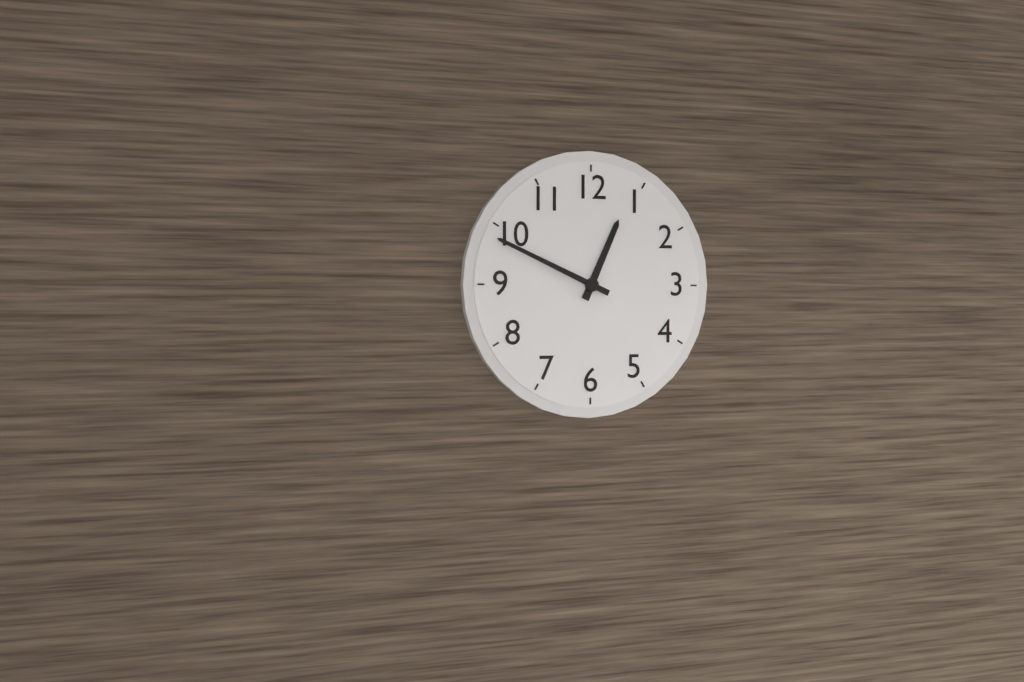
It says 12:49
